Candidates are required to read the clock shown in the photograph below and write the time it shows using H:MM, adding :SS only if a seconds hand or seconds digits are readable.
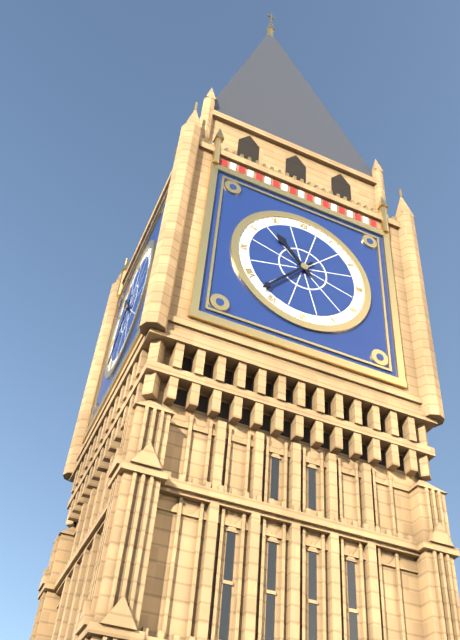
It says 10:37
